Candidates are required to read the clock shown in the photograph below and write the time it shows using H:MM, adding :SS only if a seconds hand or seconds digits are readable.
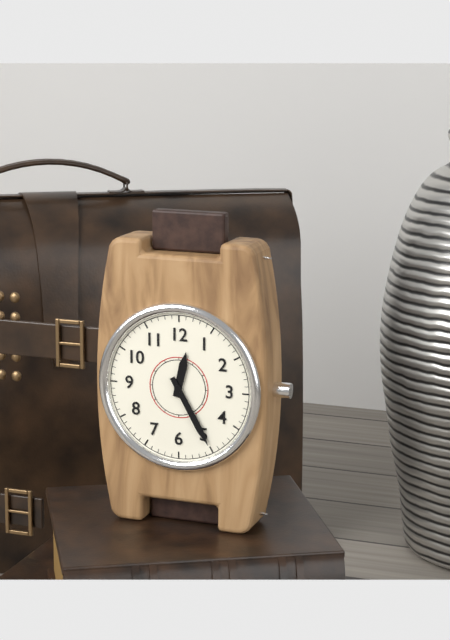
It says 12:25
